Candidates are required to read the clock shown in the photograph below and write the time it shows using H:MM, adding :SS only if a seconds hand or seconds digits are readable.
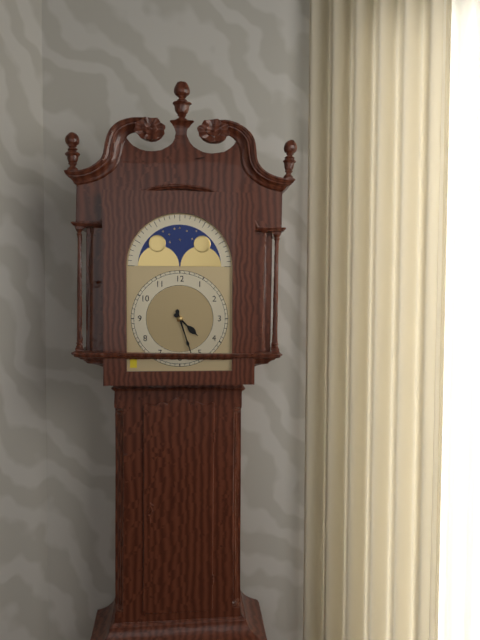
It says 4:27
